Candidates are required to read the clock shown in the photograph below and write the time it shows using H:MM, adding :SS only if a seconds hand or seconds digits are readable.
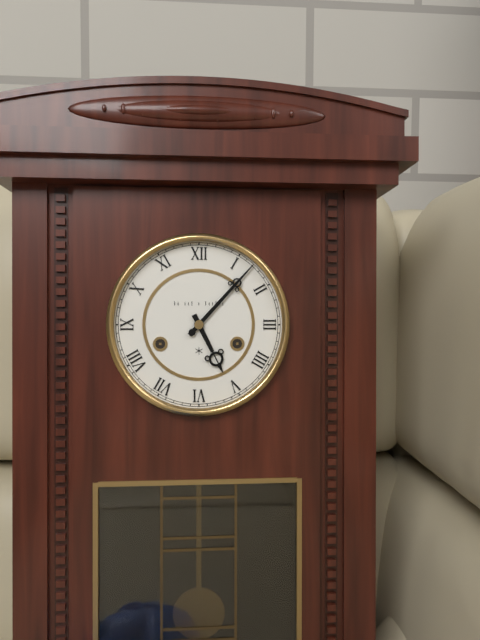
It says 5:07
